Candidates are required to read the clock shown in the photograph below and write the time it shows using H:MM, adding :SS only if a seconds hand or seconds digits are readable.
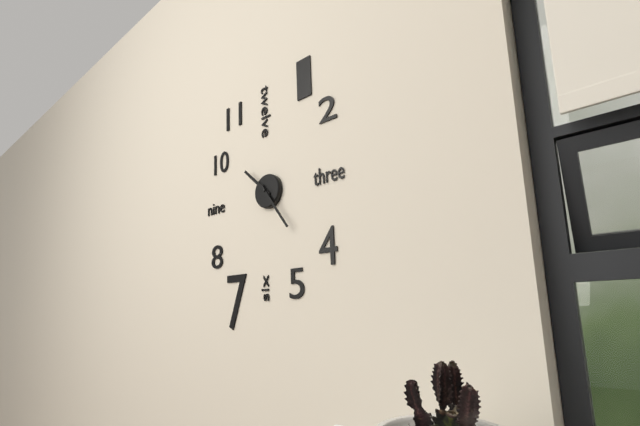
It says 10:24
